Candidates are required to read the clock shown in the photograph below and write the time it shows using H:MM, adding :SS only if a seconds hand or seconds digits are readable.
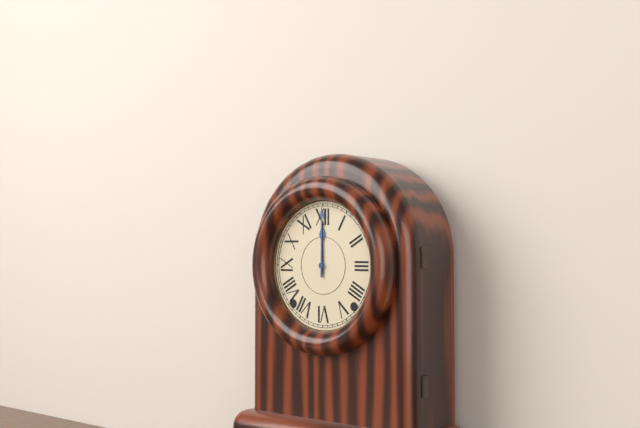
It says 12:00
